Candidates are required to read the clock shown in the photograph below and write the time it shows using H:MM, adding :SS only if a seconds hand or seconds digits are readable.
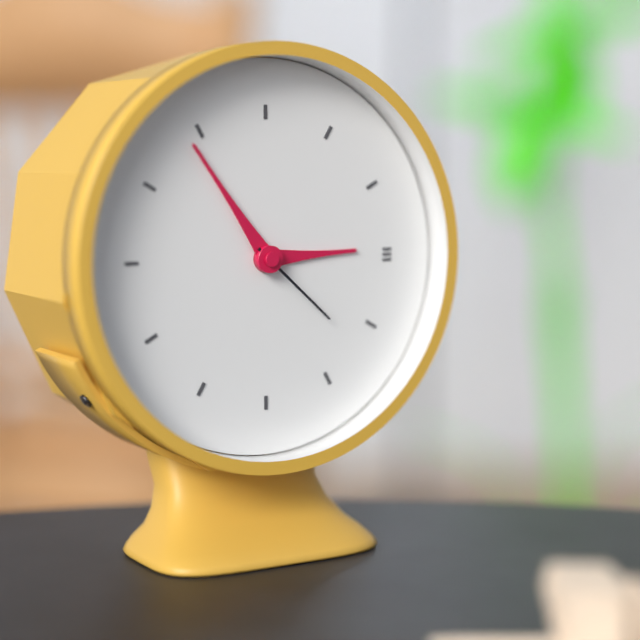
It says 2:54:22
